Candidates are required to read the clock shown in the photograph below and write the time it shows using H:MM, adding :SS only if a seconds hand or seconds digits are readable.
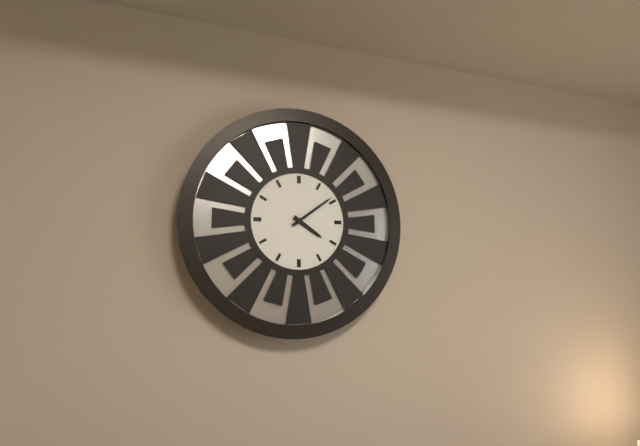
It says 4:09
